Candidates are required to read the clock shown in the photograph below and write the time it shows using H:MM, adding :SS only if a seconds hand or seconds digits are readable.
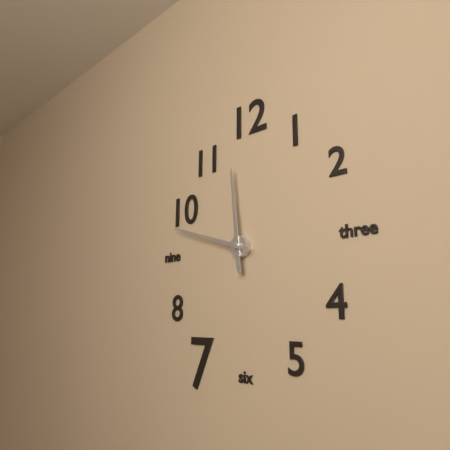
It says 11:48
